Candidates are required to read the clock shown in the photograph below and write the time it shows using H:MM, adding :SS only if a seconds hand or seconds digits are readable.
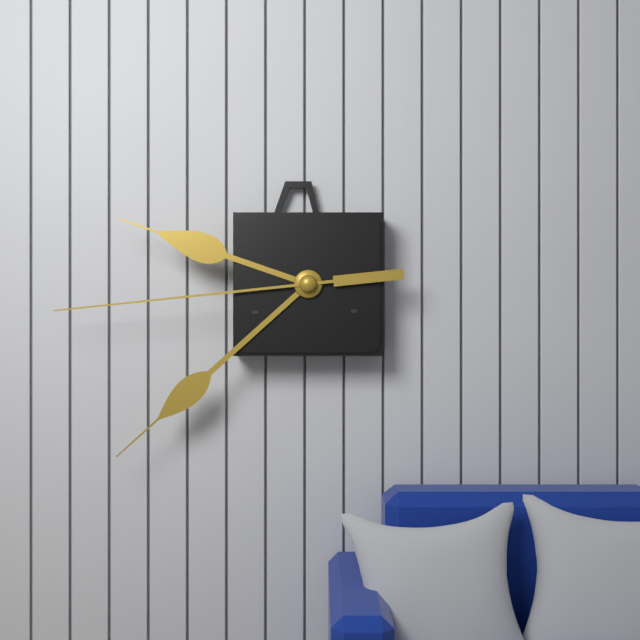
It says 9:38:44
